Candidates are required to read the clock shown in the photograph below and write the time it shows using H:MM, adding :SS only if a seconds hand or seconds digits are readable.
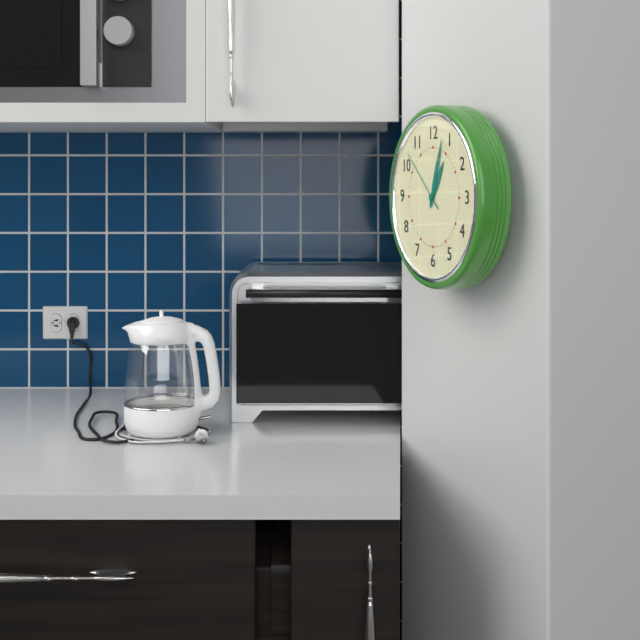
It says 1:03:52
